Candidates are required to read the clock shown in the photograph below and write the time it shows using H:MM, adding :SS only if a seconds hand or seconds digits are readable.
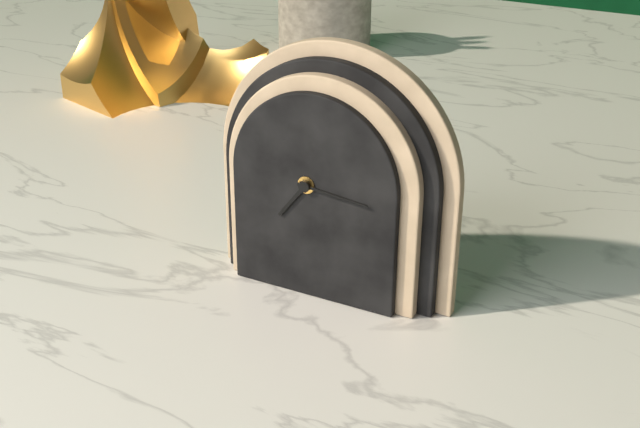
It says 7:16
